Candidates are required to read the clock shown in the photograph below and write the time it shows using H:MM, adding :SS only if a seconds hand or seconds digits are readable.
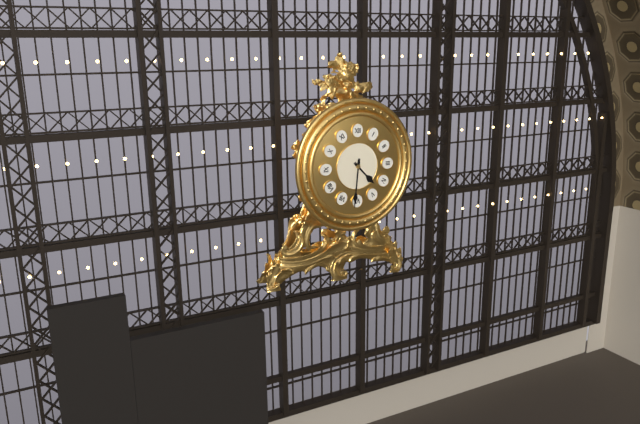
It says 4:31
